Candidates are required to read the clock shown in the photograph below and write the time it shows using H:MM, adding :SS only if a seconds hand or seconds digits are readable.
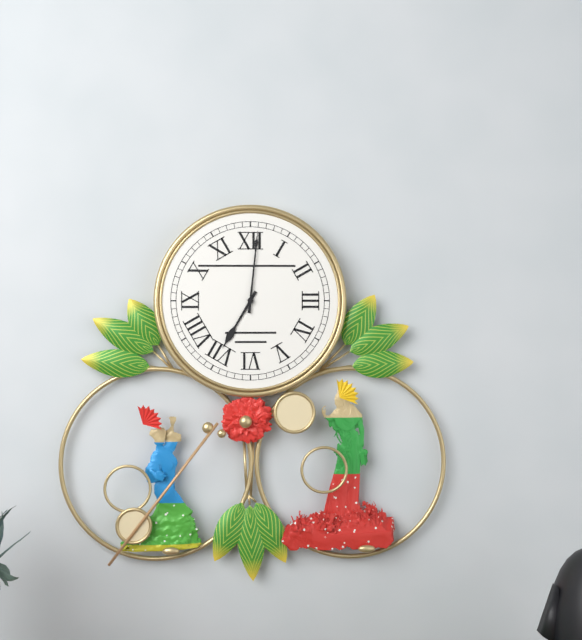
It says 7:01
